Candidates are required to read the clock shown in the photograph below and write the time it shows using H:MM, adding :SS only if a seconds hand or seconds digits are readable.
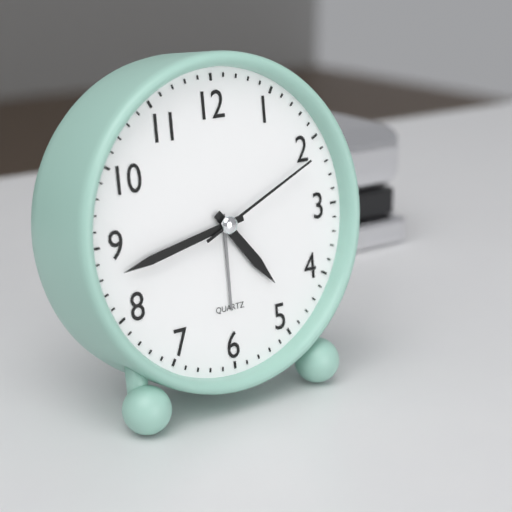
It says 4:43:11
